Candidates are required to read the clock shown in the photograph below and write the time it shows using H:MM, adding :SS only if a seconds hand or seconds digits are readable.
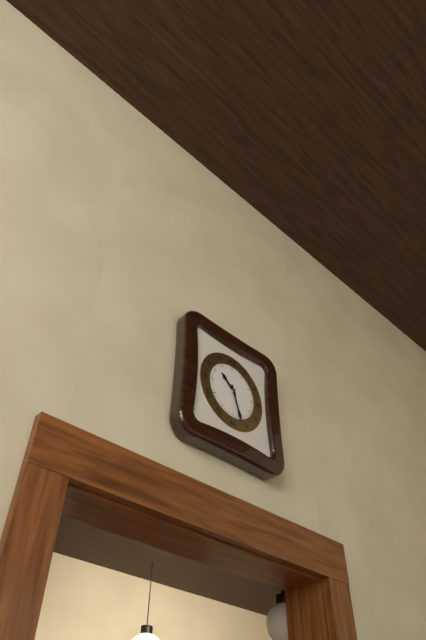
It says 10:27
